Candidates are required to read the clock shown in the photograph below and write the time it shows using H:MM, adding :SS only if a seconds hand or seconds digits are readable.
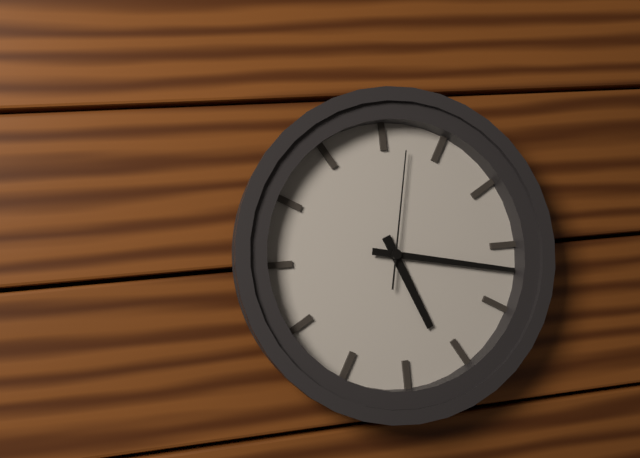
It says 5:17:02
